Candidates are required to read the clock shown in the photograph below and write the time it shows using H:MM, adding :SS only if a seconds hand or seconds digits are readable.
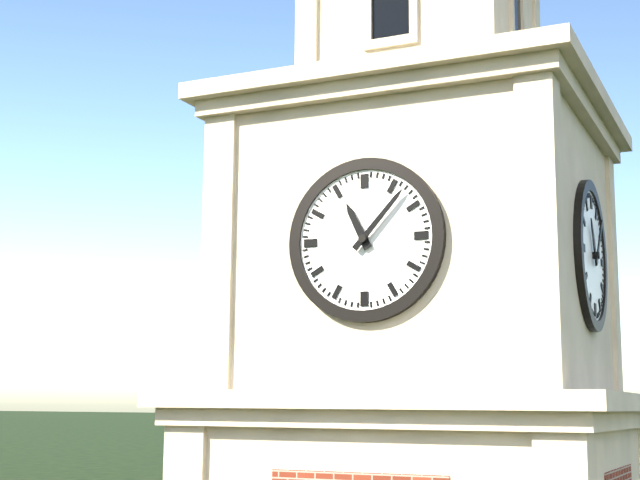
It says 11:07
